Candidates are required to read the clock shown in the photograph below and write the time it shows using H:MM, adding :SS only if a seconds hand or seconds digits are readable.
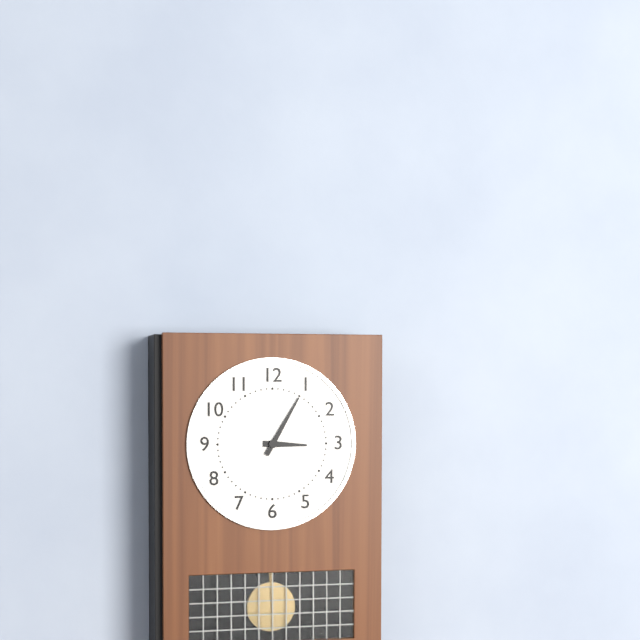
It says 3:05
